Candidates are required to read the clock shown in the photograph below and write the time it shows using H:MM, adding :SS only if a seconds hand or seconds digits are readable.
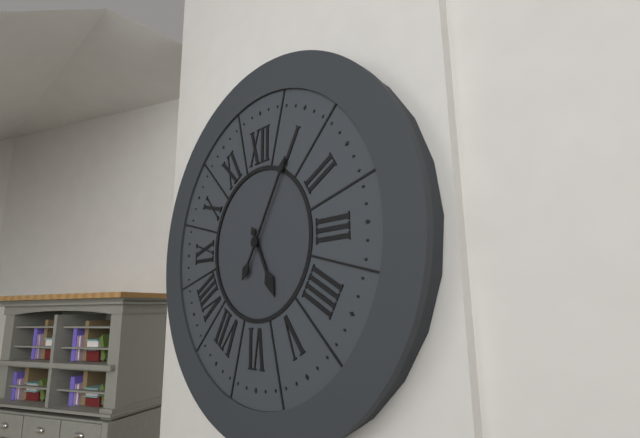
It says 5:05
